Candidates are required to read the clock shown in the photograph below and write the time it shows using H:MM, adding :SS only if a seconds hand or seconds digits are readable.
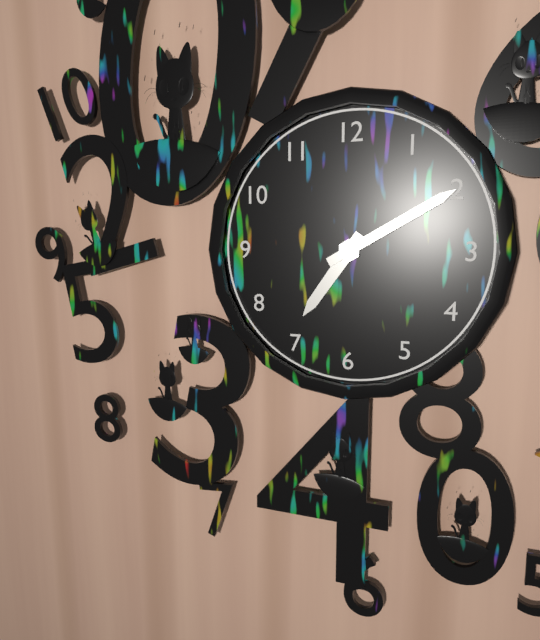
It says 7:10
